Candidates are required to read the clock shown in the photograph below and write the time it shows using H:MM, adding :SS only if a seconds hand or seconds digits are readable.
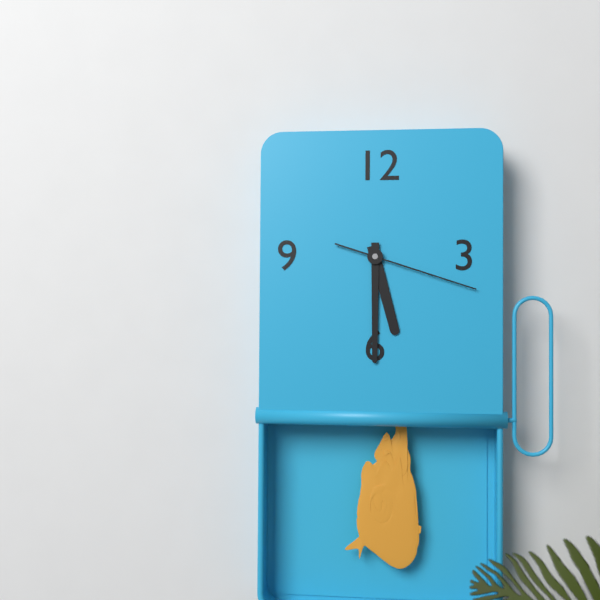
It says 5:30:18
